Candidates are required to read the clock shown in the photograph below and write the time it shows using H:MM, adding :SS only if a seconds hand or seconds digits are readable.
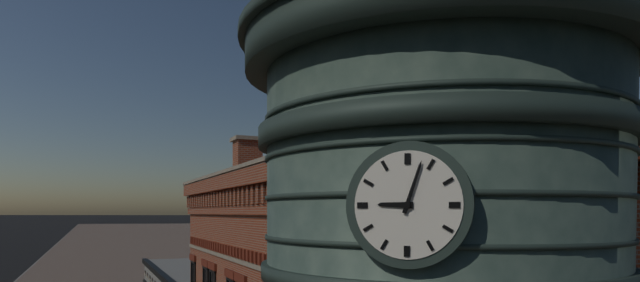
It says 9:03
